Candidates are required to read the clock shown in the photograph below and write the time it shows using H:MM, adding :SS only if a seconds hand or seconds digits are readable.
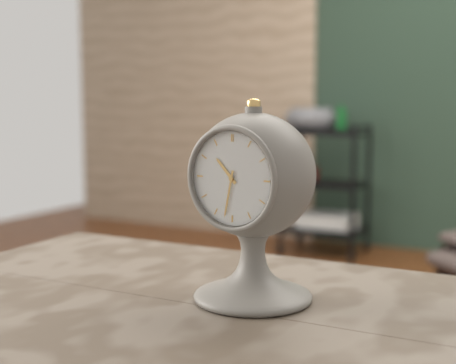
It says 10:32
